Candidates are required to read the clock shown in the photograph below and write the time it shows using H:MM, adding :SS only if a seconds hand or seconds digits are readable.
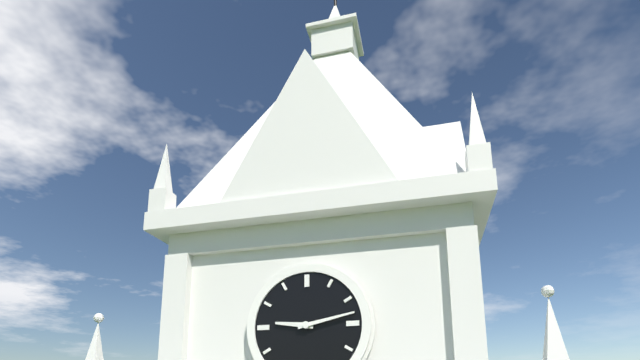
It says 9:13
